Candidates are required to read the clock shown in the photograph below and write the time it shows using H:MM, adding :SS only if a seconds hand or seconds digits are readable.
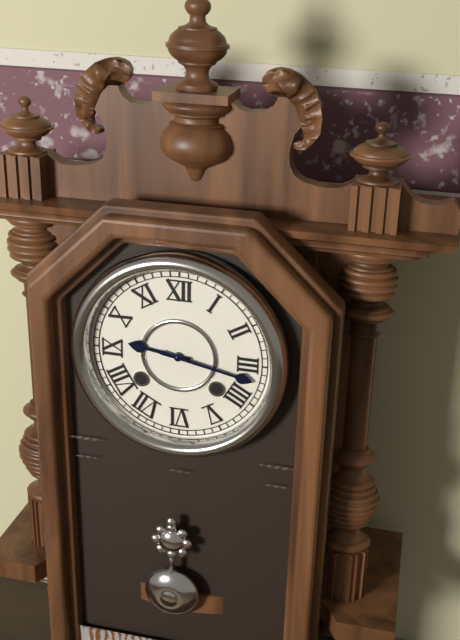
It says 9:17
